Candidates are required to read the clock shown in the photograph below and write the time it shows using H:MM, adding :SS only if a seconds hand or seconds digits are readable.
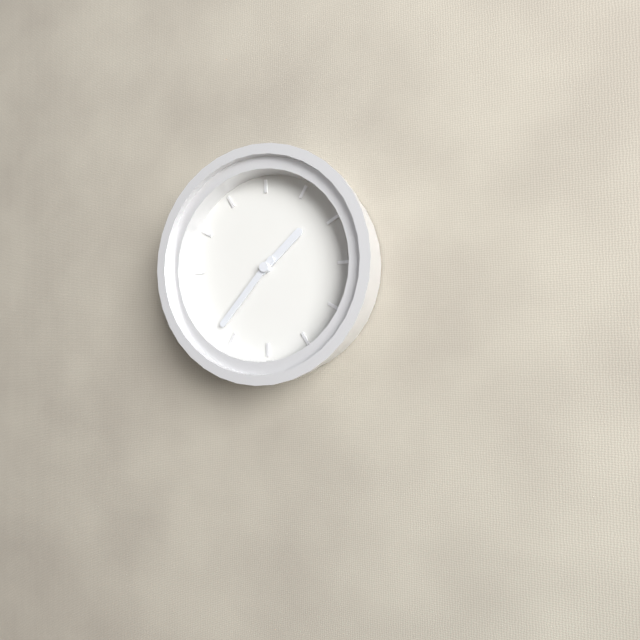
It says 1:37
